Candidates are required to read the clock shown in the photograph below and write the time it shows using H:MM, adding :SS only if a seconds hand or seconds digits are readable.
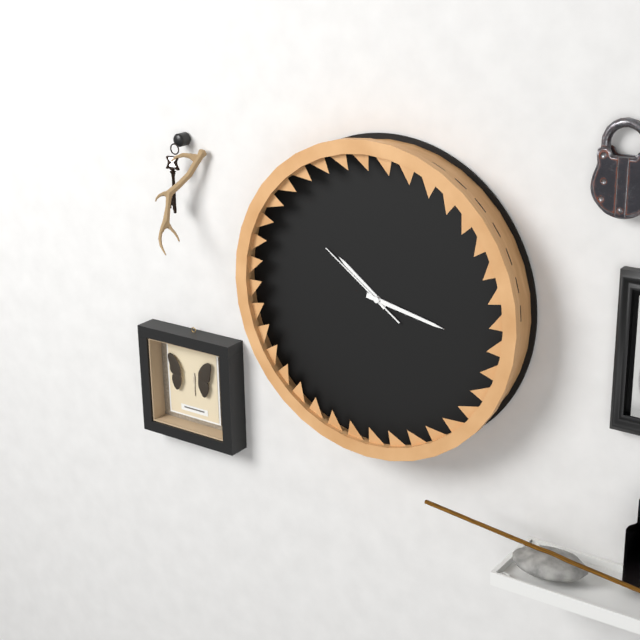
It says 10:17:51
